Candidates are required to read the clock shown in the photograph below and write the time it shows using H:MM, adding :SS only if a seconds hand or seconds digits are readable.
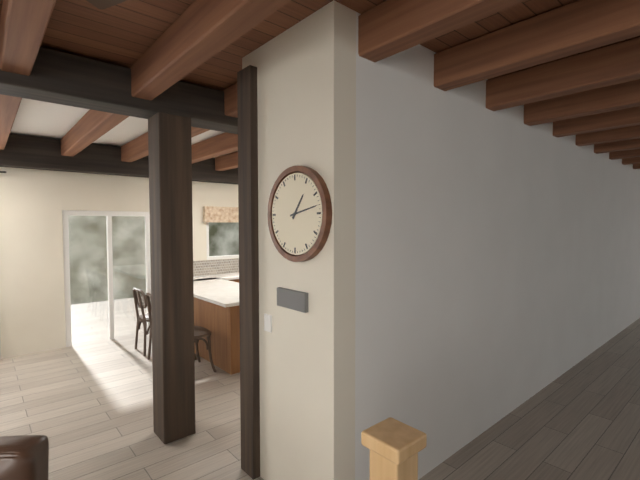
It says 1:13
